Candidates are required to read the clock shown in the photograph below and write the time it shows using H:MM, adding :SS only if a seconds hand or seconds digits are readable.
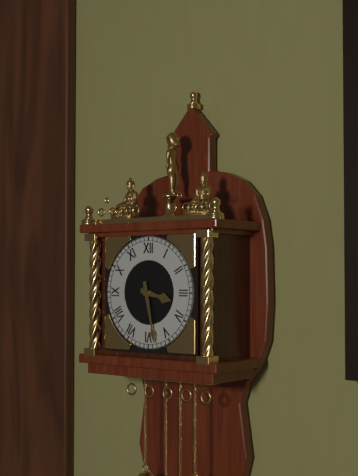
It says 3:28
